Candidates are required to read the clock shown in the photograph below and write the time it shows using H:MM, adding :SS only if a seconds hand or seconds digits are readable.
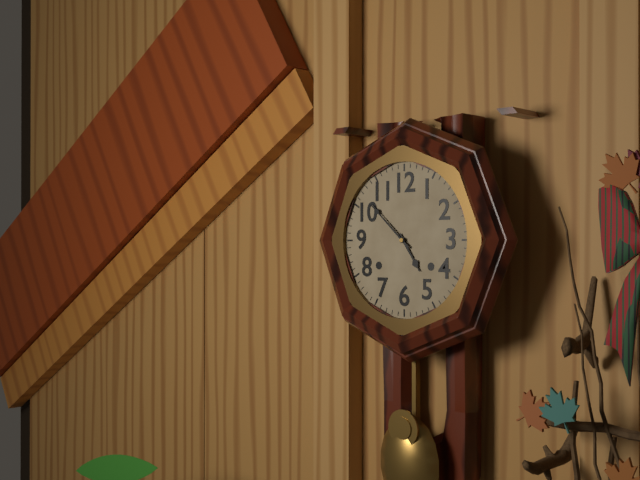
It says 4:52
